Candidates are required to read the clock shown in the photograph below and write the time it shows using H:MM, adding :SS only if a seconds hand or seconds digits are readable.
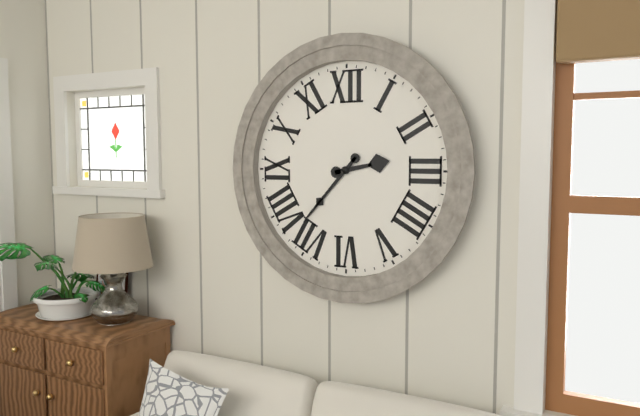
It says 2:37
